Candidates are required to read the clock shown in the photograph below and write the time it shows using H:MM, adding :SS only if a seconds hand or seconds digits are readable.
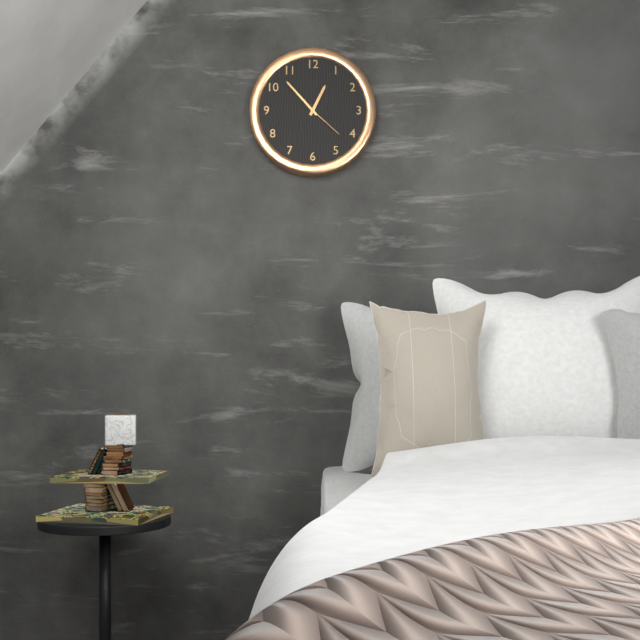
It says 12:53
